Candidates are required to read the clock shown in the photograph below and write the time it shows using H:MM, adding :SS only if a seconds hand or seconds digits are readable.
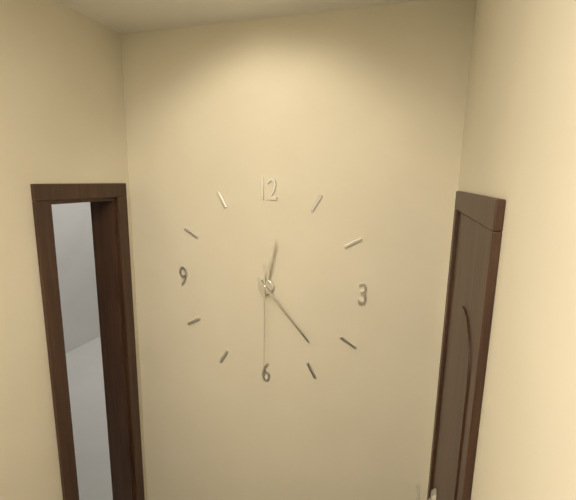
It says 12:23:30
